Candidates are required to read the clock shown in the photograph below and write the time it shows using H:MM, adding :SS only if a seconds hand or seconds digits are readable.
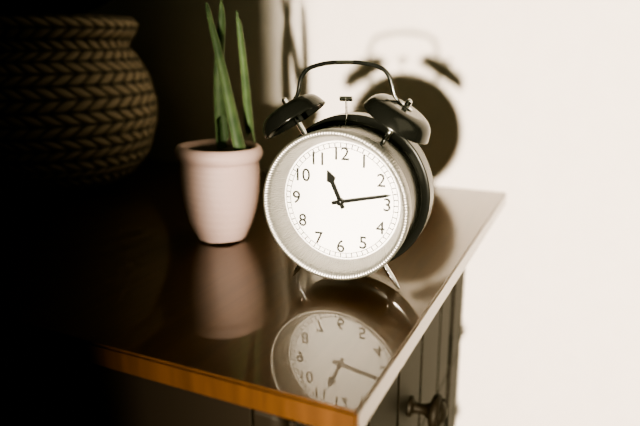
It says 11:13
